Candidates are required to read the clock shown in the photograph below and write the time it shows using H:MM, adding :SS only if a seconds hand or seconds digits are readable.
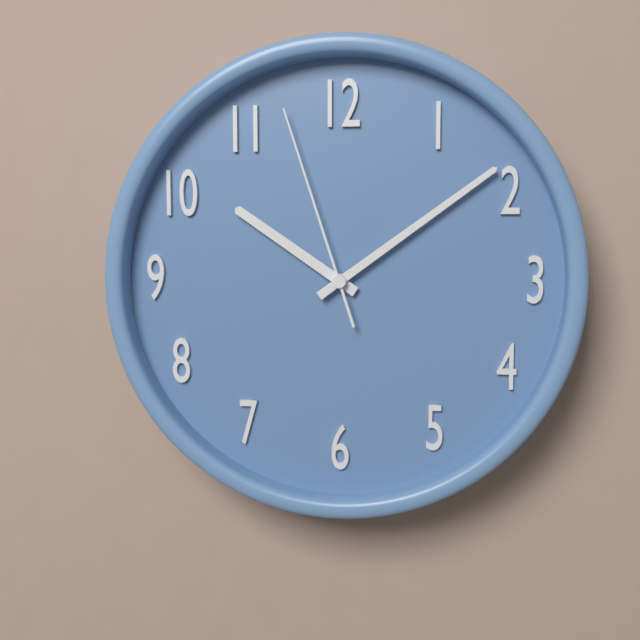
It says 10:09:57
